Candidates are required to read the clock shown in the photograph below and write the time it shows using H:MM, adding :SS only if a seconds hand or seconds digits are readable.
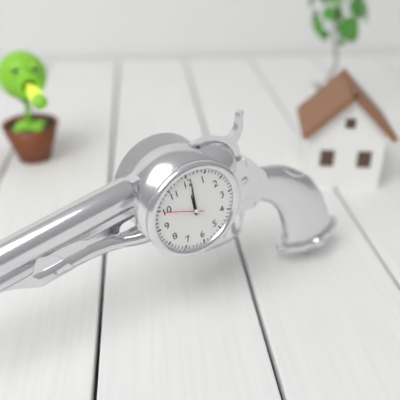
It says 12:01
